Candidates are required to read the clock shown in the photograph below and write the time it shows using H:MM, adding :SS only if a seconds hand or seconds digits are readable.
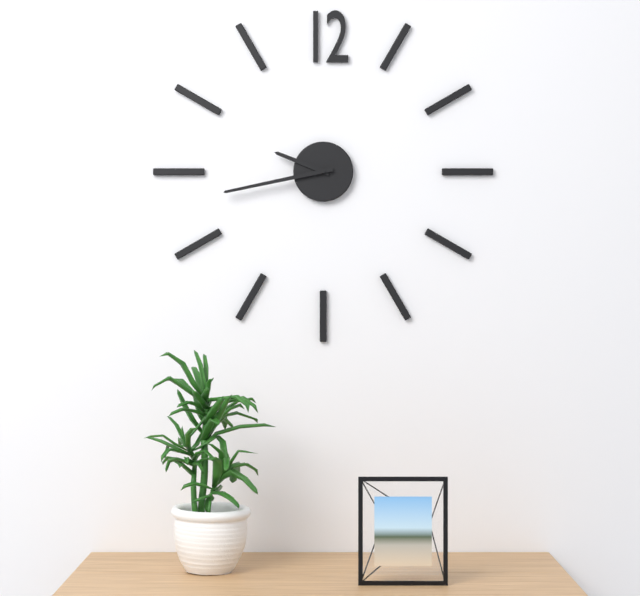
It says 9:43
